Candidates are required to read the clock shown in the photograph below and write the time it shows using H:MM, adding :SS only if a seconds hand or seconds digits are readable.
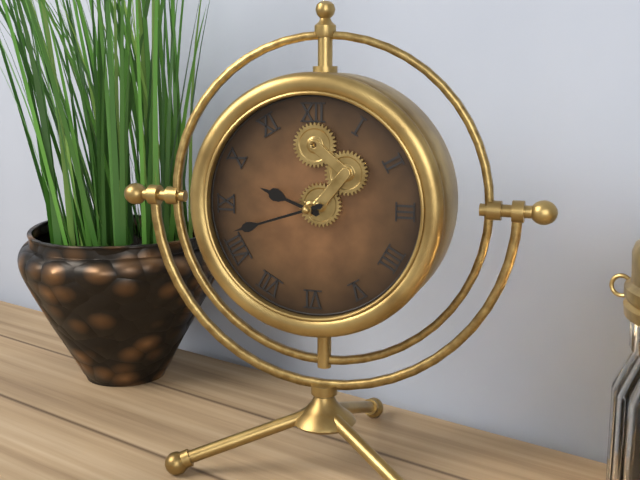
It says 9:42
